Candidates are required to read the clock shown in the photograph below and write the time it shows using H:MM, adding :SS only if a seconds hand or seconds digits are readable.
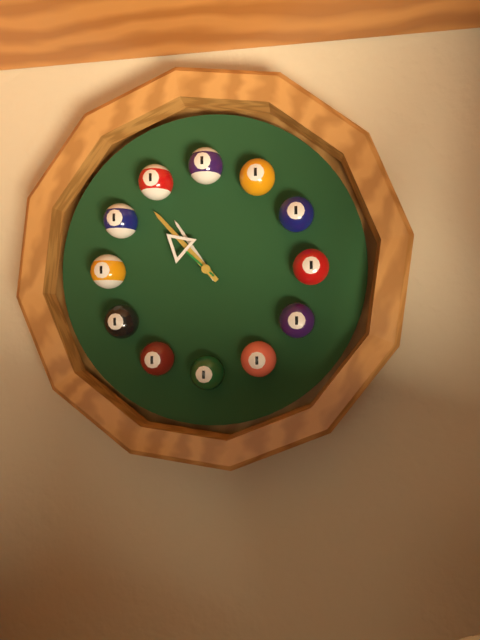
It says 10:53:52
